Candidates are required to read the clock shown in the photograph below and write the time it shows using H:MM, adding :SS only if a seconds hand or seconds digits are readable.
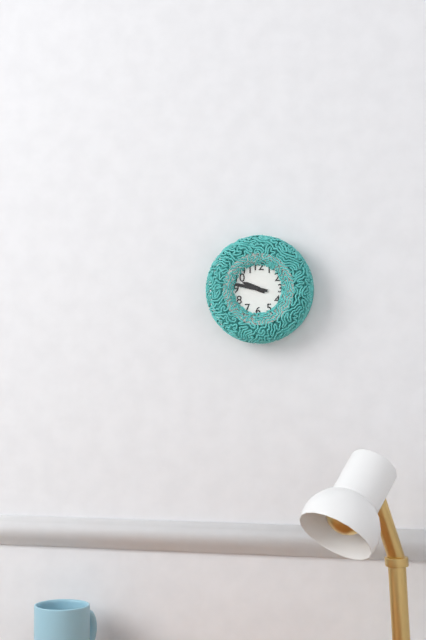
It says 9:47
